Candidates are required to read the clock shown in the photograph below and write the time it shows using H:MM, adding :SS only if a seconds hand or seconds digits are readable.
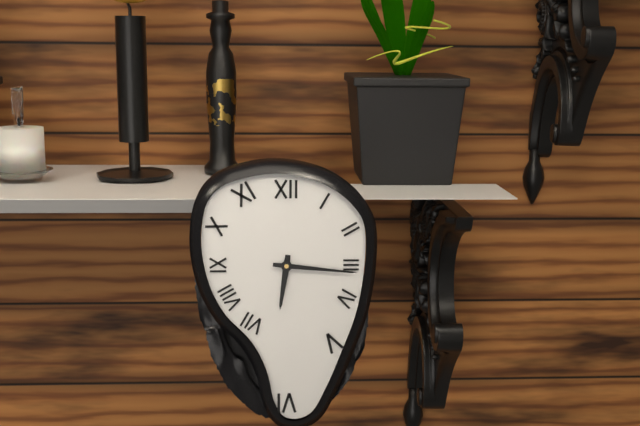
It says 6:16
